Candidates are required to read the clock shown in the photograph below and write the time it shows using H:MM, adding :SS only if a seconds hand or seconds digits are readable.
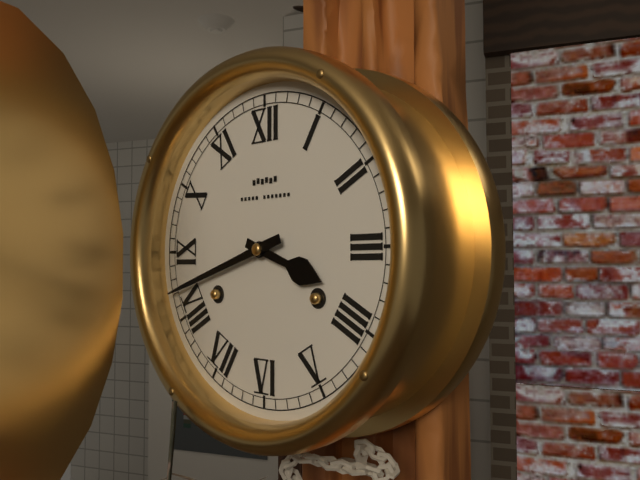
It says 3:42
